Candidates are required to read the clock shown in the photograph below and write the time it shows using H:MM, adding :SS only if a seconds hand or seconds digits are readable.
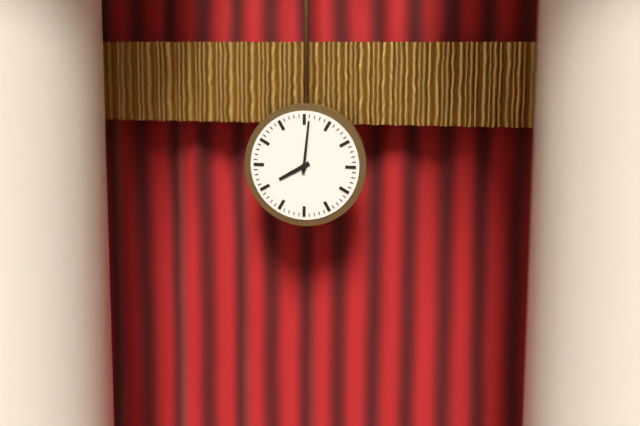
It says 8:01
